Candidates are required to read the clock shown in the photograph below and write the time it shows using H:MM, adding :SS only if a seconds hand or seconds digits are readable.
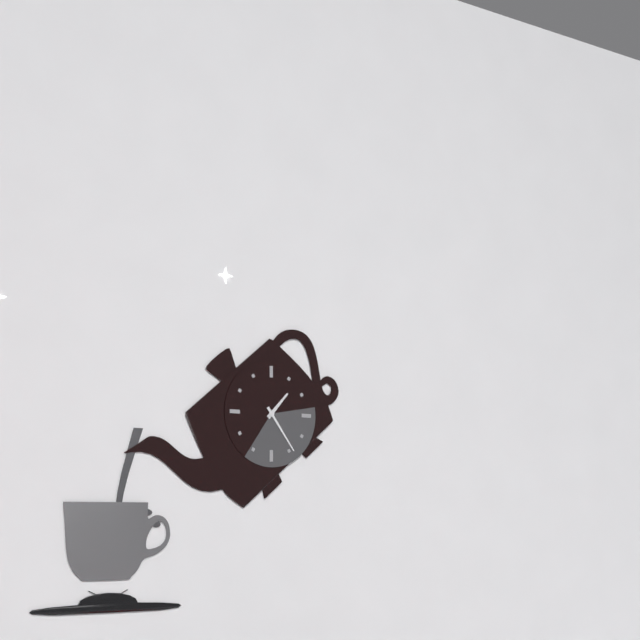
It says 1:24
